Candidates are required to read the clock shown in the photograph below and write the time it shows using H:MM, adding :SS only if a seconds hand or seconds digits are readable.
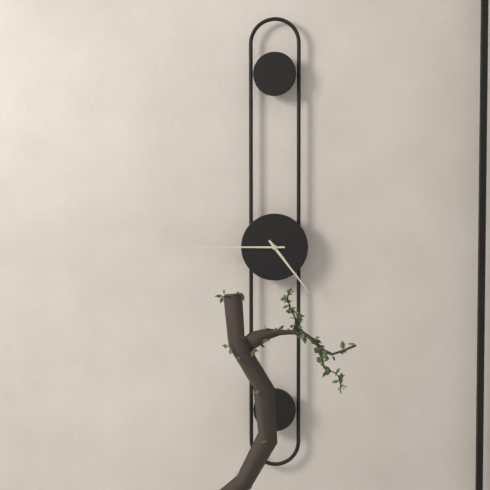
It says 4:45
